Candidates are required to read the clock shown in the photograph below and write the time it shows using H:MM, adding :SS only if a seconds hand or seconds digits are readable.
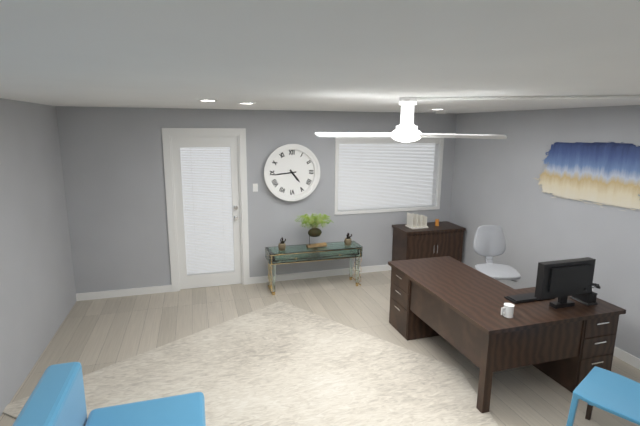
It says 4:44
